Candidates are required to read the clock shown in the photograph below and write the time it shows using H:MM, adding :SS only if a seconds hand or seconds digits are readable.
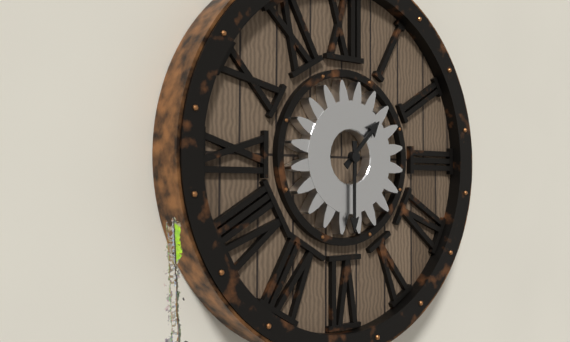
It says 1:30
